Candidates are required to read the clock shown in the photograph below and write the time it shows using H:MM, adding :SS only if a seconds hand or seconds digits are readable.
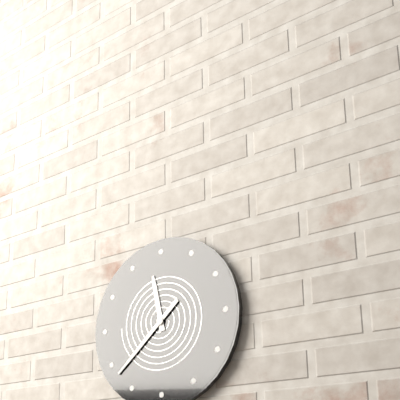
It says 11:38
